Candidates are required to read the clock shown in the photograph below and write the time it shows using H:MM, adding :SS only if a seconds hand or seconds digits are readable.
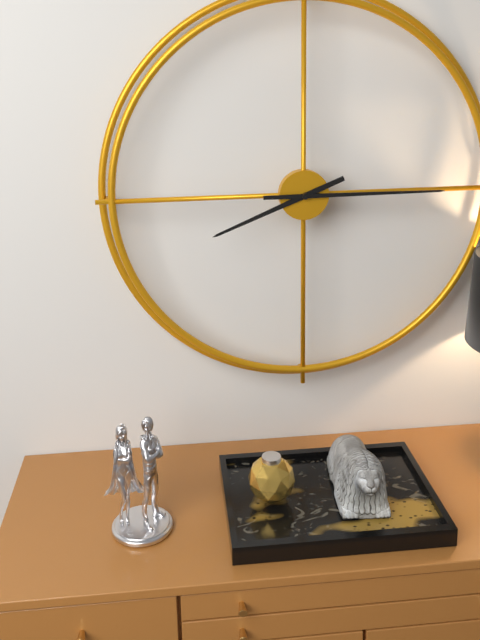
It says 8:15
